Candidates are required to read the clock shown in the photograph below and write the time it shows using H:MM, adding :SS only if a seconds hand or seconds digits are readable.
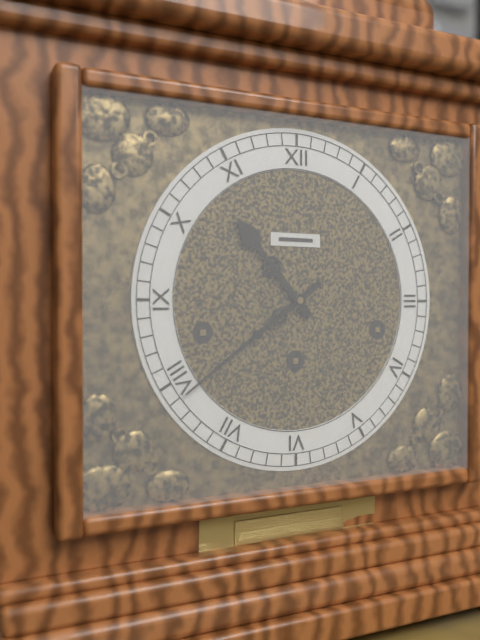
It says 10:39
